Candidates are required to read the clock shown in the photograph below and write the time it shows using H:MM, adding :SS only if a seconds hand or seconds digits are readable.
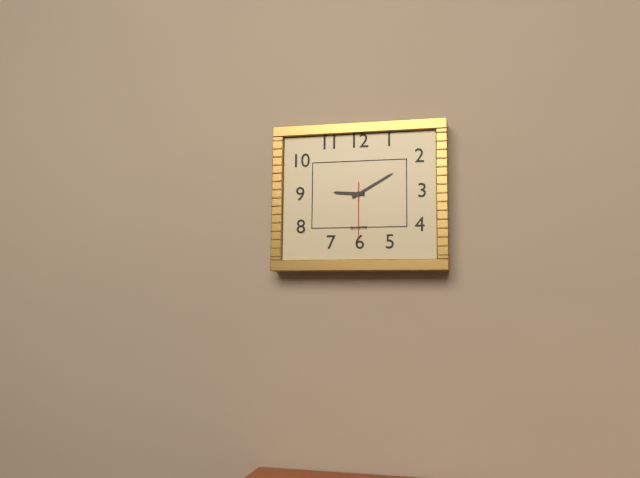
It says 9:10:30
